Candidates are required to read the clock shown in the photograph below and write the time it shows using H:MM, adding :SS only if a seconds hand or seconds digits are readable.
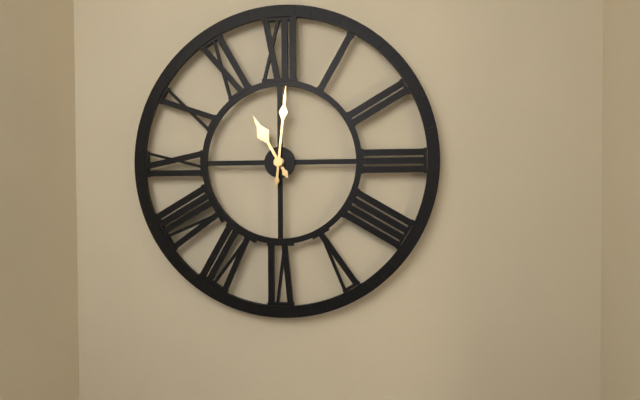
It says 11:01
